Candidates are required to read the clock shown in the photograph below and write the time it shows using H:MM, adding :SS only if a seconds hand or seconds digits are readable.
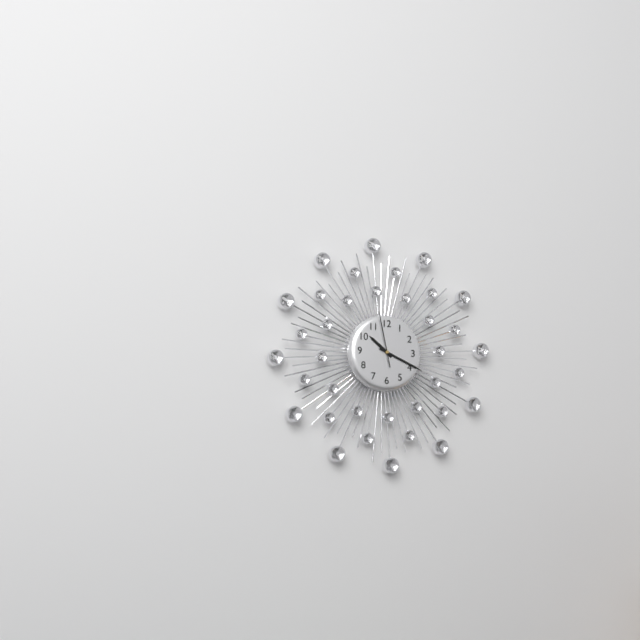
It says 10:19:58
